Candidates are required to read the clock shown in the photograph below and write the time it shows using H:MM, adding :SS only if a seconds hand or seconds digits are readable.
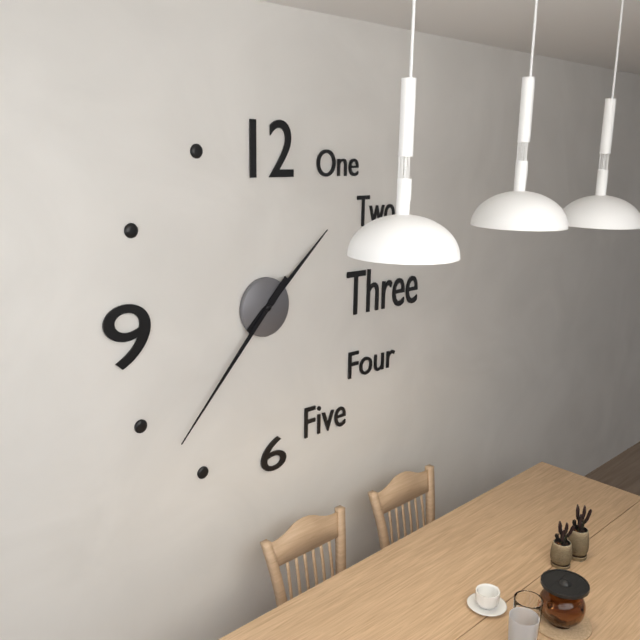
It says 1:37
